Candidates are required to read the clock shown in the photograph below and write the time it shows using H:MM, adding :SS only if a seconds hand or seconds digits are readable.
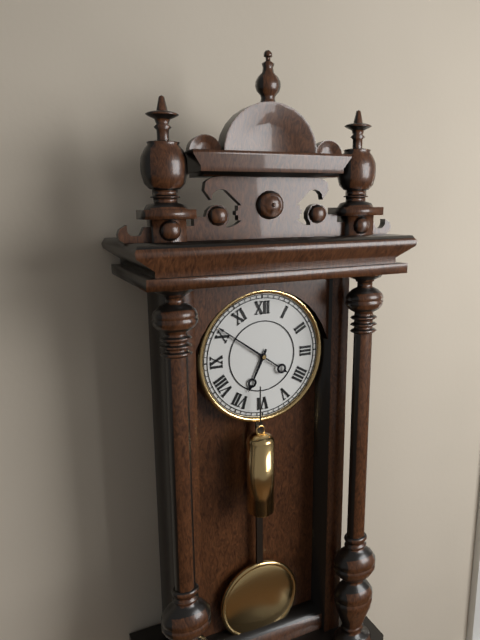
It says 6:51
